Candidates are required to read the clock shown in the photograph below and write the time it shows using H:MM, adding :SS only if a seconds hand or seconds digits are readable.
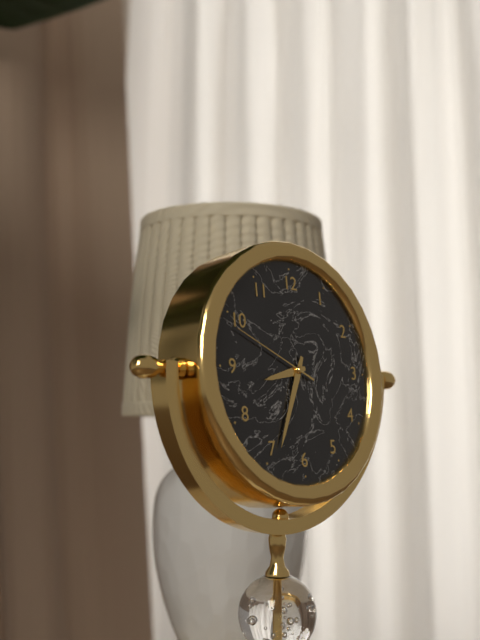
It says 8:34:49
